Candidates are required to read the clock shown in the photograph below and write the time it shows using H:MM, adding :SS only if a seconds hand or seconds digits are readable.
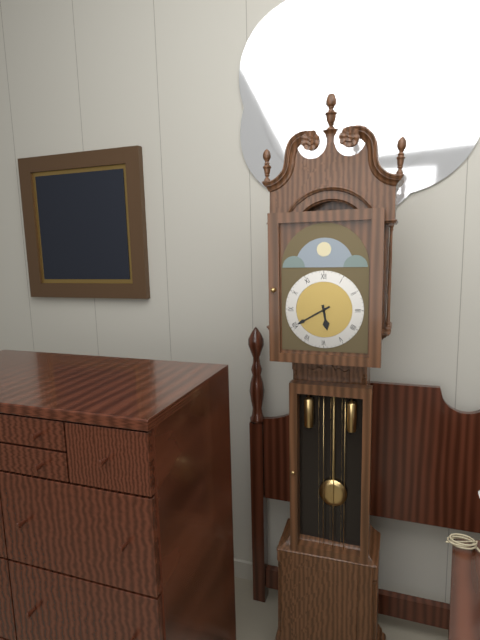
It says 5:40
